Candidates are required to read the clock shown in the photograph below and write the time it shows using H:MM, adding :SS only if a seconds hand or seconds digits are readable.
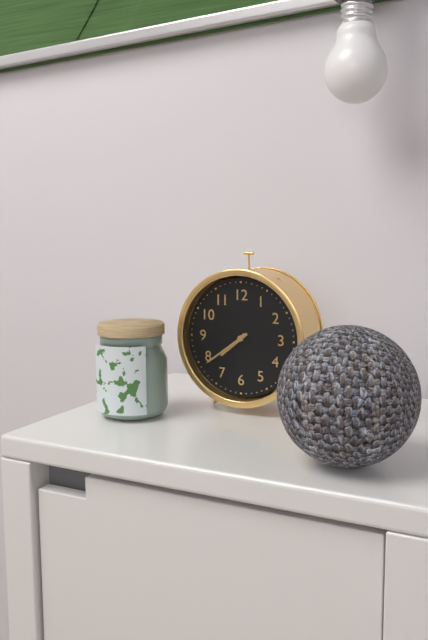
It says 7:39
